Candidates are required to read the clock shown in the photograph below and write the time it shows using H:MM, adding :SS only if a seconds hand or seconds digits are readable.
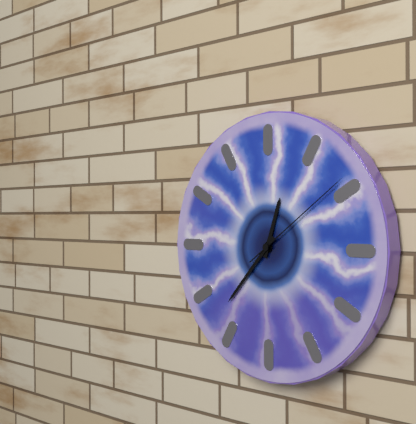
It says 12:37:09
